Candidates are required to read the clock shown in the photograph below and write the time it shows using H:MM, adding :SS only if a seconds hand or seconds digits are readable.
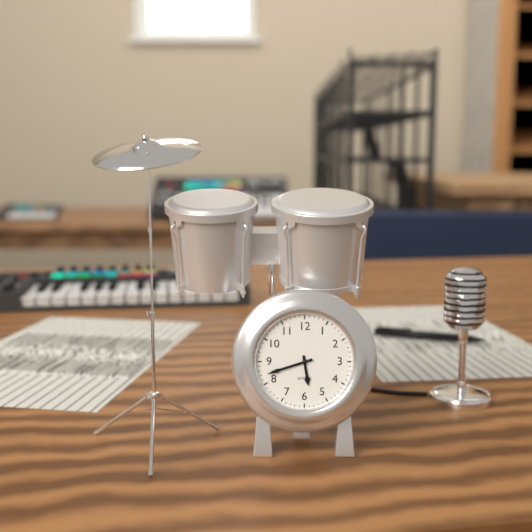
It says 5:42
